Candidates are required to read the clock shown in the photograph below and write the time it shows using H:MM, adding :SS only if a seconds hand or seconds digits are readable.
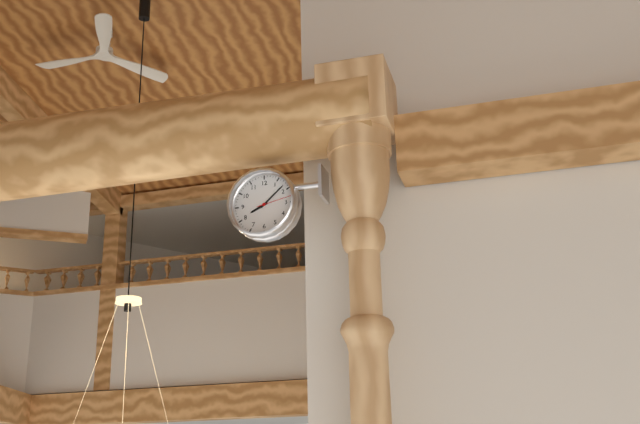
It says 8:08
